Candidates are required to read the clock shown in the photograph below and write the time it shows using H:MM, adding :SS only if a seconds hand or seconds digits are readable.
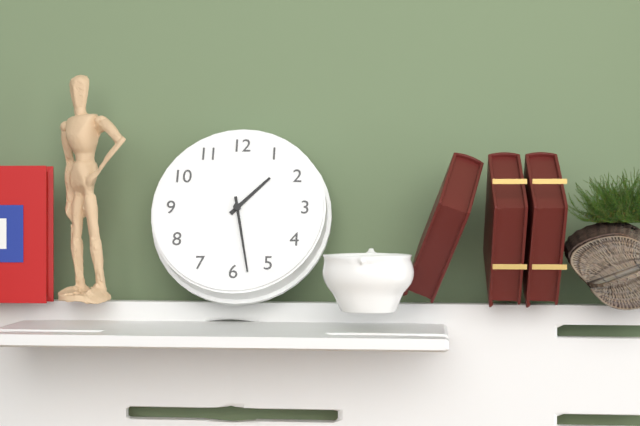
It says 1:28
